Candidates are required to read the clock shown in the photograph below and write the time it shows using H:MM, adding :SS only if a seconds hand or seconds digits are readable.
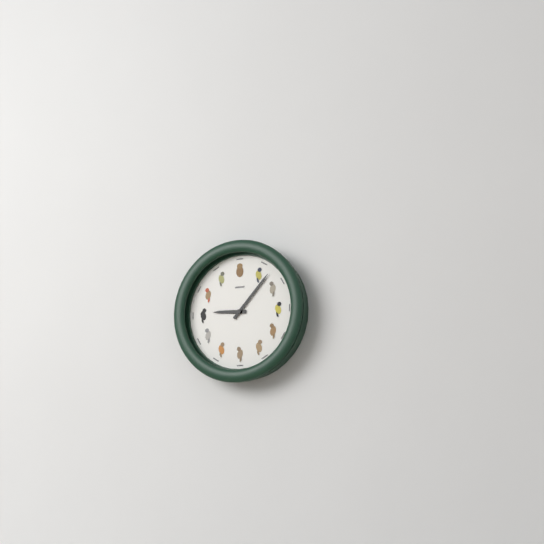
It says 9:07
